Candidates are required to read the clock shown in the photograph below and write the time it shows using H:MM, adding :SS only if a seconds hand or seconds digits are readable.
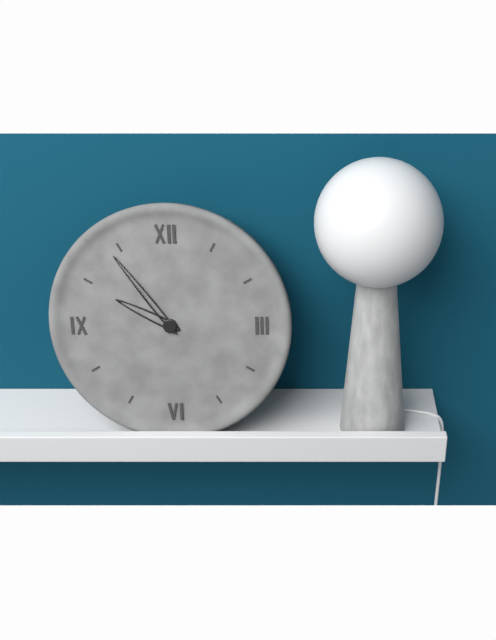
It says 9:54
